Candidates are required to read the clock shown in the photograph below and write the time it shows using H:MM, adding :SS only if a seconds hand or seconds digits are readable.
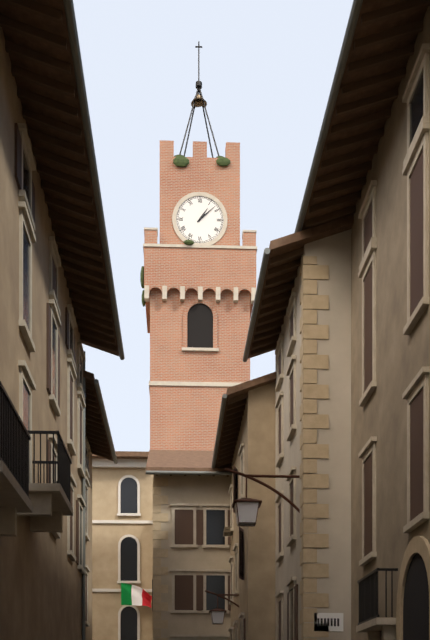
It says 1:08
